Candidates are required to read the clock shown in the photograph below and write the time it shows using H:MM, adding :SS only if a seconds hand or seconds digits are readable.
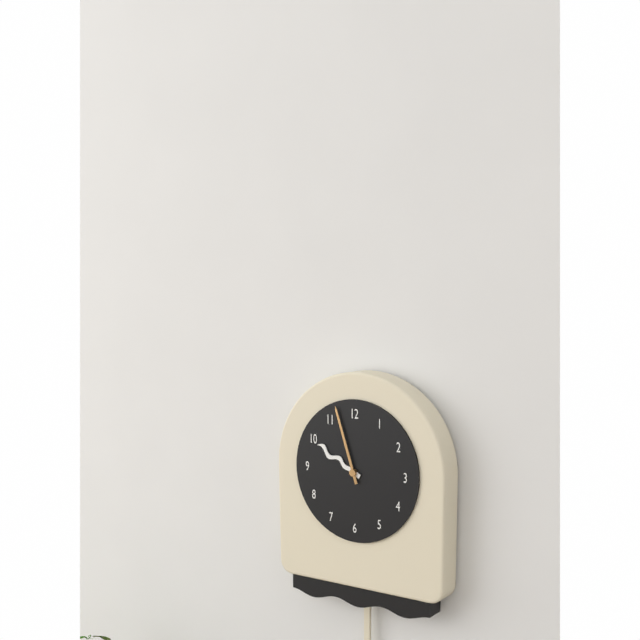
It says 9:57
